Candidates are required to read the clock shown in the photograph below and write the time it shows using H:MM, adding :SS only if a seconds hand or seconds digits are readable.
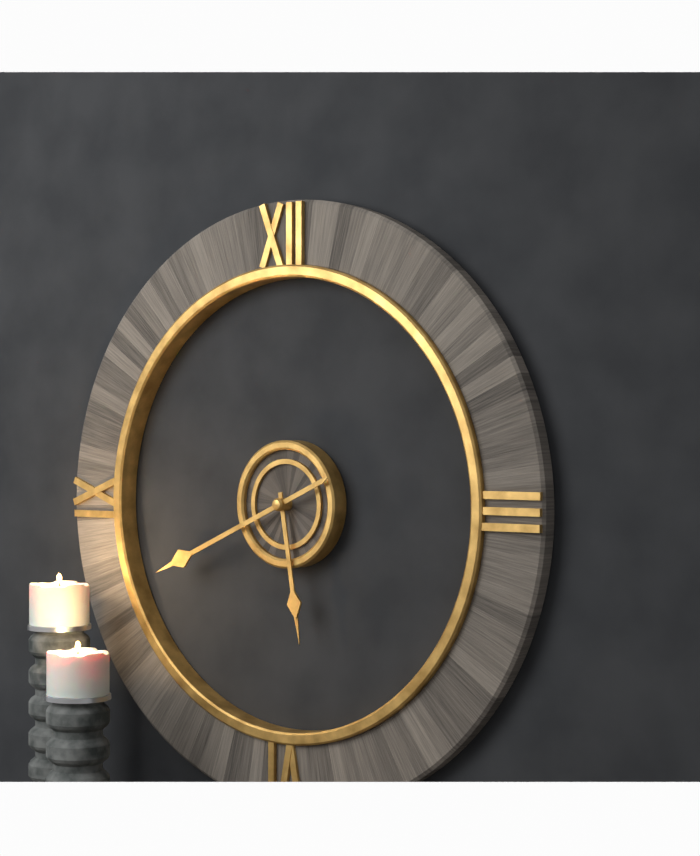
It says 5:41
